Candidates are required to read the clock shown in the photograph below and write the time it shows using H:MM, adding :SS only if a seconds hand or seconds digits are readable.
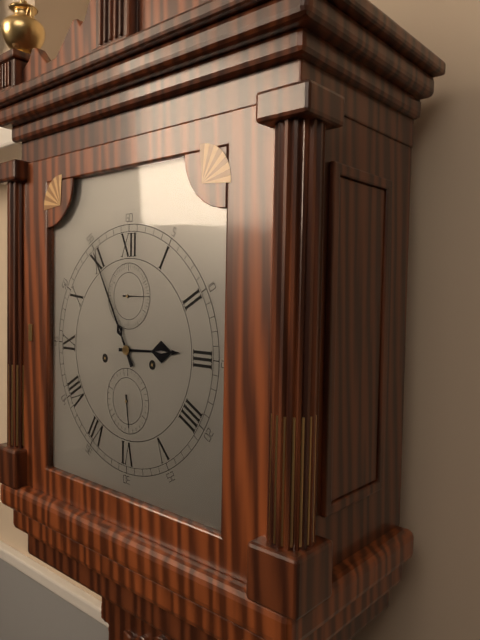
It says 2:55
